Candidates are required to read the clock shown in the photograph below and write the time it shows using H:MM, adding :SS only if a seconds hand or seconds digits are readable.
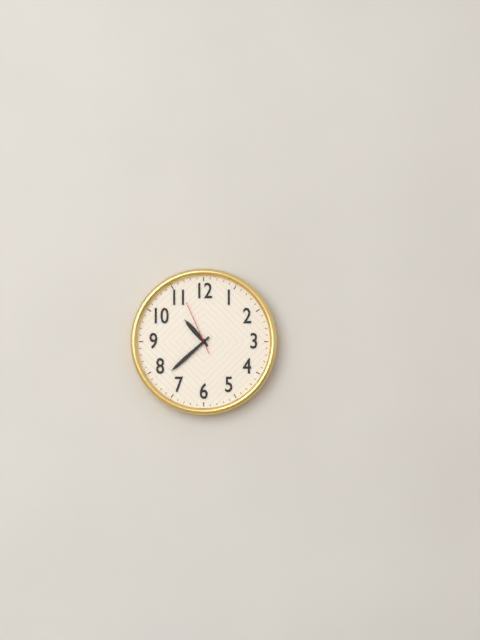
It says 10:38:56
